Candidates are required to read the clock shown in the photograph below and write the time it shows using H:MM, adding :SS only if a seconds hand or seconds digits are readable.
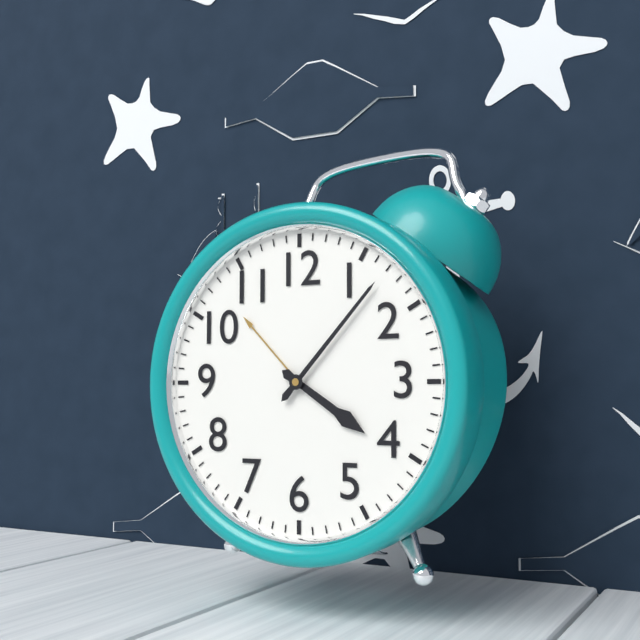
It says 4:07
